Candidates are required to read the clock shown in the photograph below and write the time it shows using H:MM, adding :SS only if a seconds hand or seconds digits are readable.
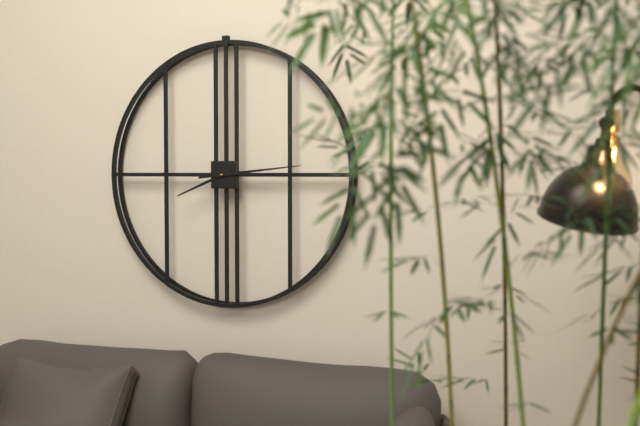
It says 8:14
